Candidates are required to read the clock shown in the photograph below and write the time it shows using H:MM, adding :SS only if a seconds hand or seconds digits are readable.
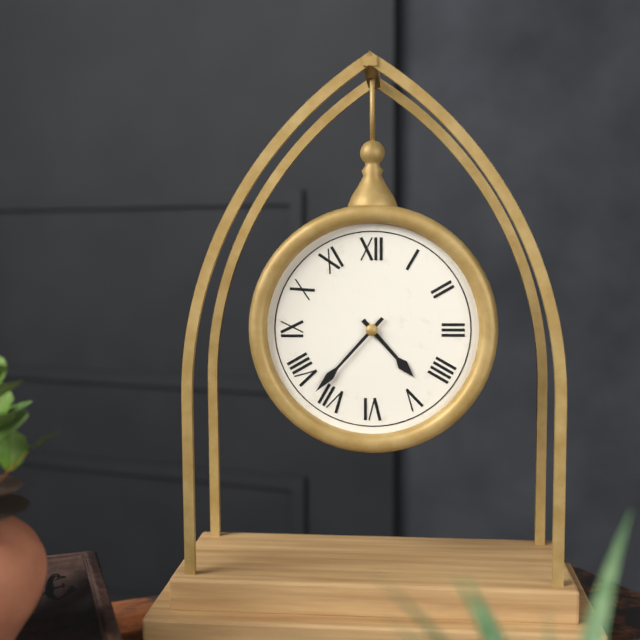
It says 4:37
